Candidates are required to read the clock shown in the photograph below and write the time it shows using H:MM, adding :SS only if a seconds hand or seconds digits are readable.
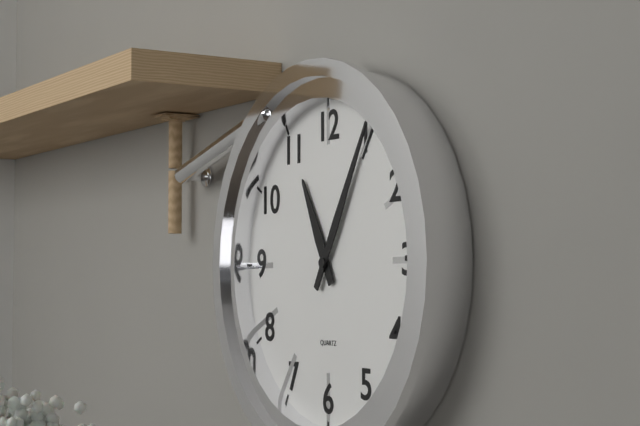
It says 11:05
